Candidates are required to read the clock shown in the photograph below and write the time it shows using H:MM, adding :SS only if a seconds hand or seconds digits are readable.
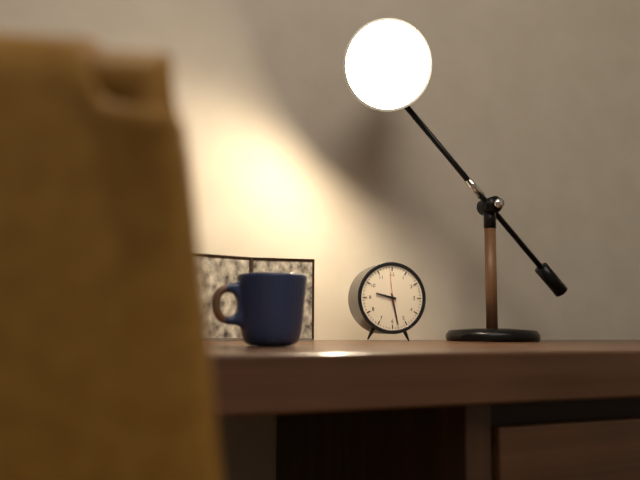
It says 9:28
